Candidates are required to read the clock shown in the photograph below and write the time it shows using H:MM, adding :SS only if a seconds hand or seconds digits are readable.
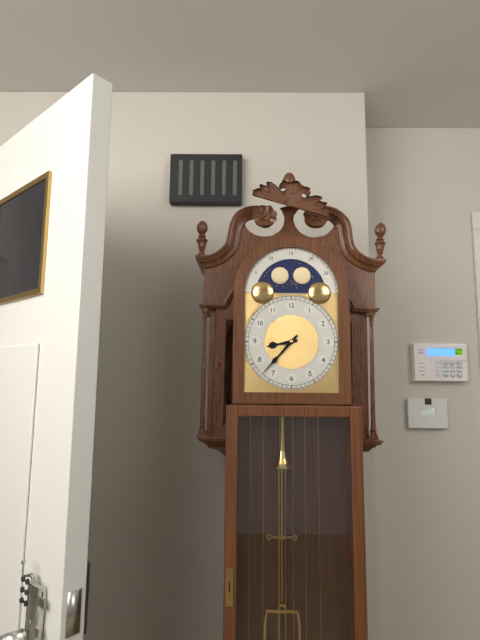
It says 8:37
